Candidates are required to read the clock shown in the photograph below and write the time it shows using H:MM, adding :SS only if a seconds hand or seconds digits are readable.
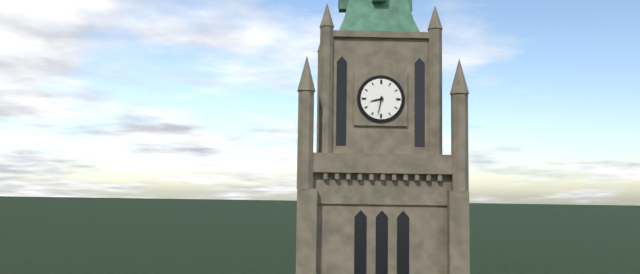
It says 8:32
